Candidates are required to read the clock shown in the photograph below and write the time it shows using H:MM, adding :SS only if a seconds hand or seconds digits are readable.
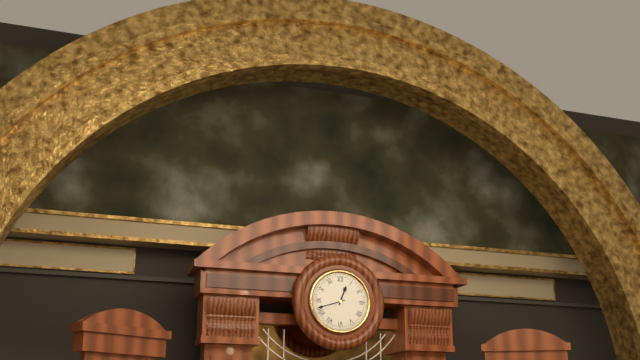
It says 12:42
